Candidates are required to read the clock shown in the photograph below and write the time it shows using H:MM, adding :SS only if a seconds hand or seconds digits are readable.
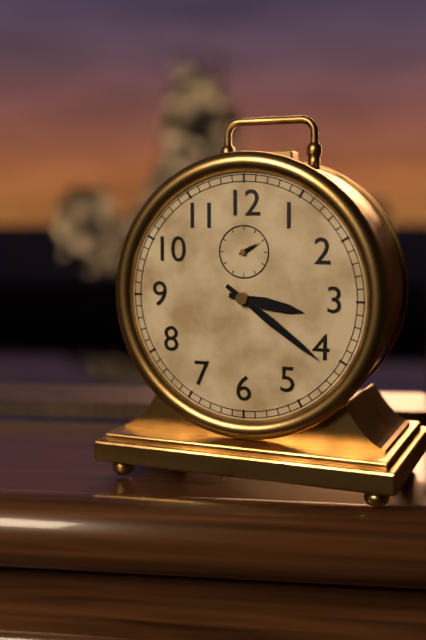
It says 3:21
